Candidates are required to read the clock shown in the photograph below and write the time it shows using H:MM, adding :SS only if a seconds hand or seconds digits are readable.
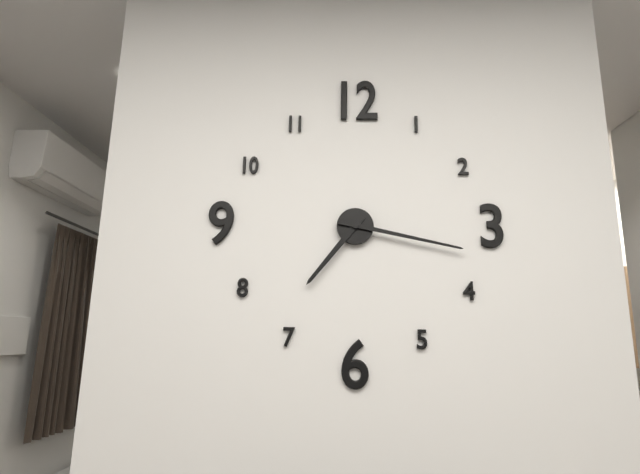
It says 7:17
